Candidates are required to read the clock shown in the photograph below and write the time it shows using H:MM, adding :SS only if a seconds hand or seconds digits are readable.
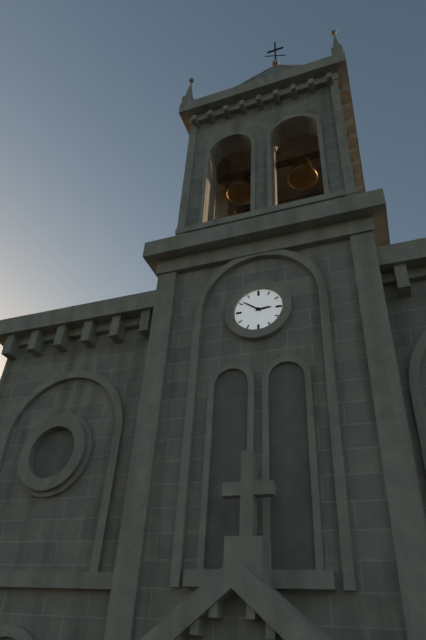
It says 2:51
